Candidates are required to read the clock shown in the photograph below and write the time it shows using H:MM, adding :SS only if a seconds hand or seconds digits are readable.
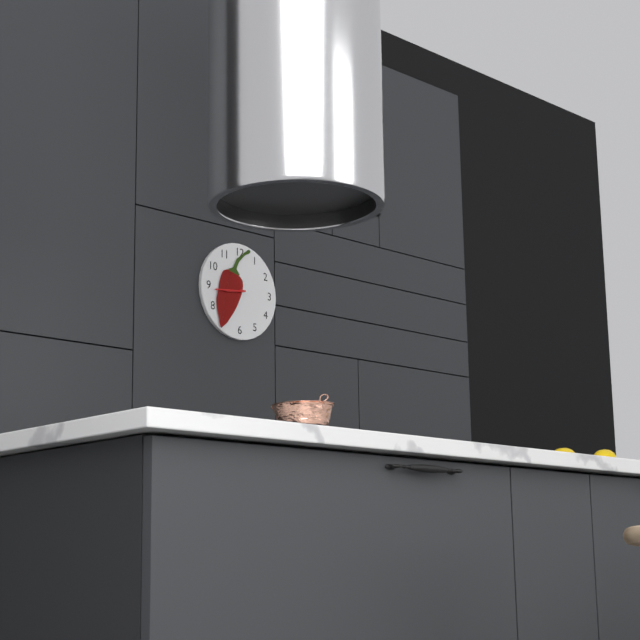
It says 8:44
